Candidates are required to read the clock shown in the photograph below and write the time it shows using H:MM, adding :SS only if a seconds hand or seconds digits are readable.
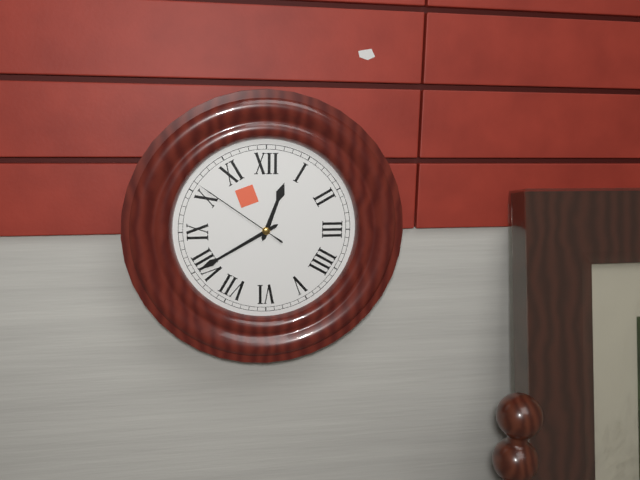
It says 12:40:51
